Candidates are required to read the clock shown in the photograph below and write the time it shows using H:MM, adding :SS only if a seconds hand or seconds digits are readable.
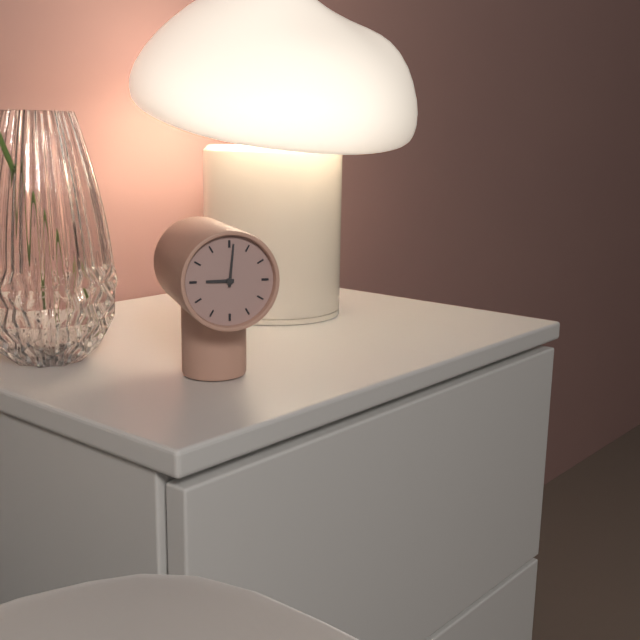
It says 9:01
